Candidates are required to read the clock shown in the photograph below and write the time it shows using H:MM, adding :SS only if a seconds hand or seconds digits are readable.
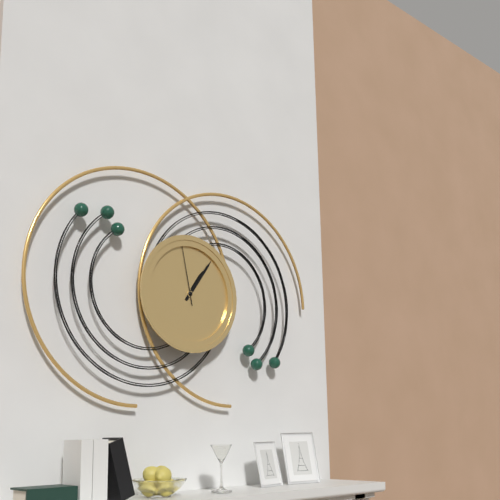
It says 1:06:58
